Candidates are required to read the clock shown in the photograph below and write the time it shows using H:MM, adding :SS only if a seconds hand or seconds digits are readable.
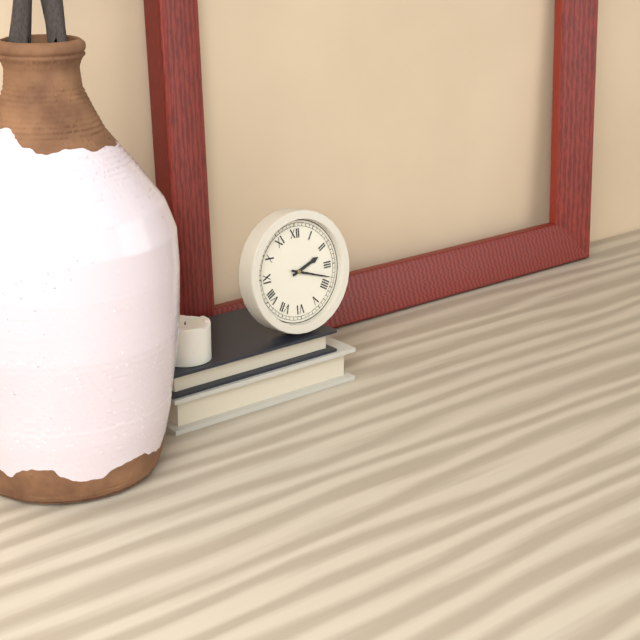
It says 2:18
